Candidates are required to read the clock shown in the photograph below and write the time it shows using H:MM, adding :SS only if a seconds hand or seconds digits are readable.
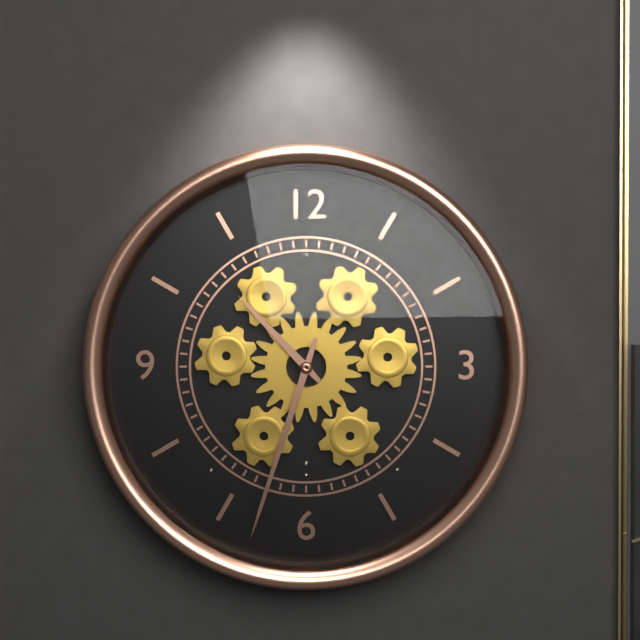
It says 10:33
